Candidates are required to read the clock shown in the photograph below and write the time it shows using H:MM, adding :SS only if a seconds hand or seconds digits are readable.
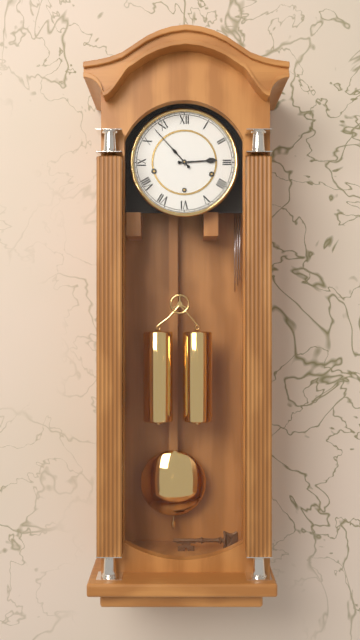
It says 2:53
